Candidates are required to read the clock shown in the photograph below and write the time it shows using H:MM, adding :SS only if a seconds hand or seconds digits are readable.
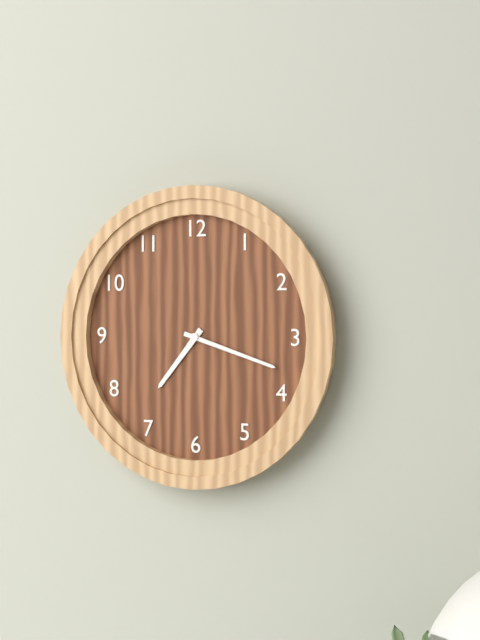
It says 7:18
